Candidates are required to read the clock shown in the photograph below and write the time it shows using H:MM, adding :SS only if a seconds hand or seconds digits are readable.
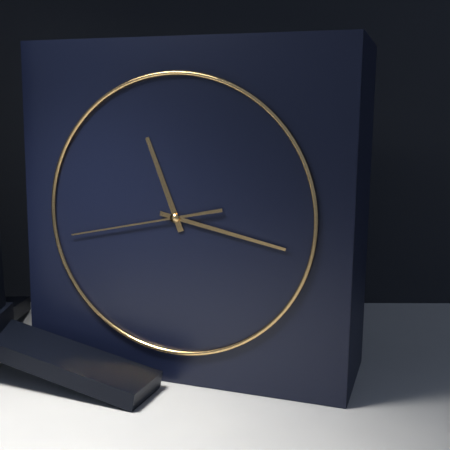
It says 11:17:43
